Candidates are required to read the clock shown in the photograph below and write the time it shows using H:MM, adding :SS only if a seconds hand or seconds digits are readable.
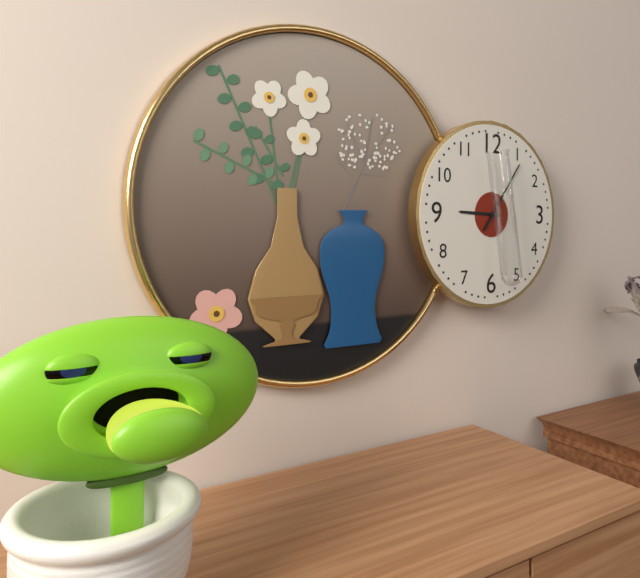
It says 9:06
